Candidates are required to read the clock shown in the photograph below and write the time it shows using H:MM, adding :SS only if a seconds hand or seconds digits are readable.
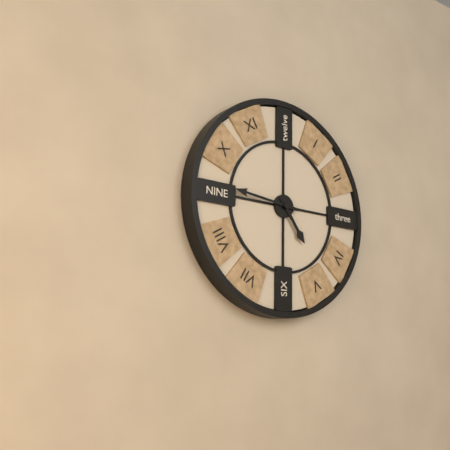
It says 4:46
